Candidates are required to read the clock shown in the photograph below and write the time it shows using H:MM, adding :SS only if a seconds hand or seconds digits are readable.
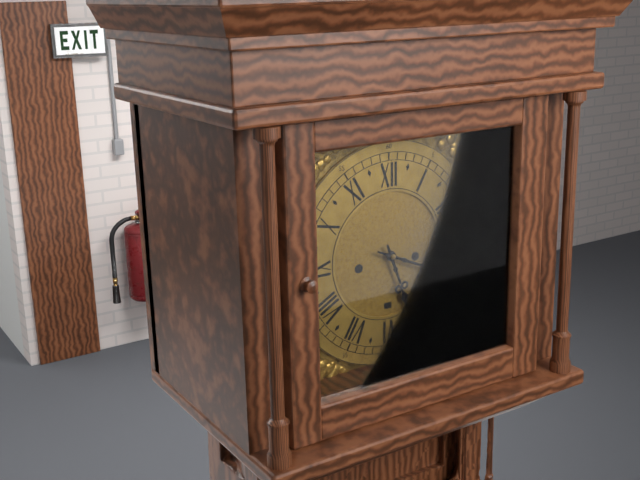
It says 5:19
